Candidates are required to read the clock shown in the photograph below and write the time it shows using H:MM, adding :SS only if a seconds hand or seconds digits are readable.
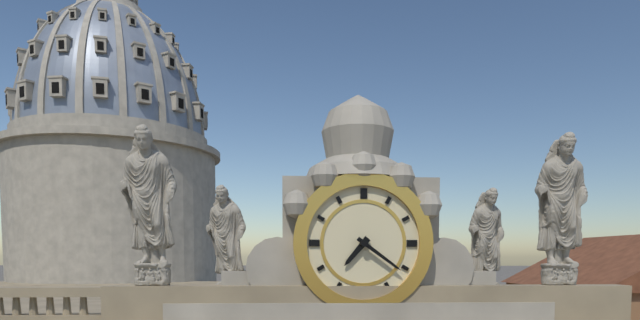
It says 7:21
